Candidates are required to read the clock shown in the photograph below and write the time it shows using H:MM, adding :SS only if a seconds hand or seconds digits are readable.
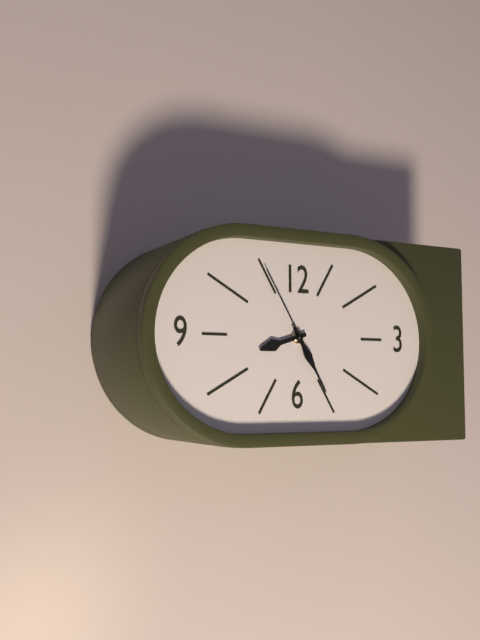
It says 8:25:55
